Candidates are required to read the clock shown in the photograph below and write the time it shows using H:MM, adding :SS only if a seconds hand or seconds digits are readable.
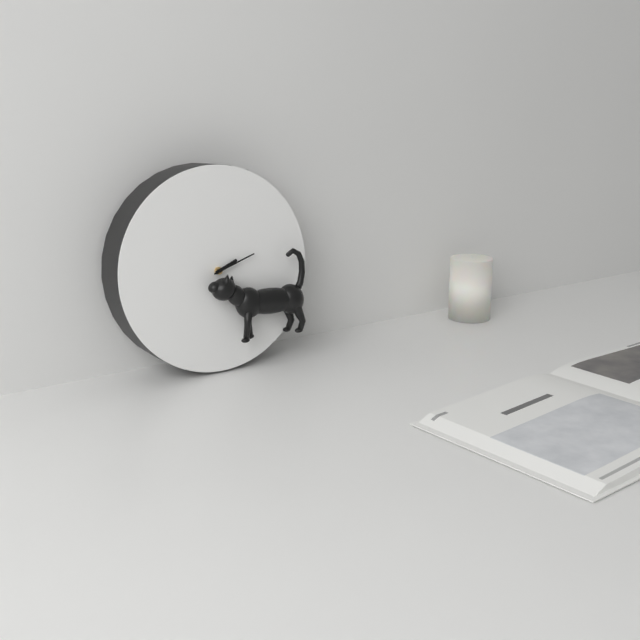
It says 2:12
